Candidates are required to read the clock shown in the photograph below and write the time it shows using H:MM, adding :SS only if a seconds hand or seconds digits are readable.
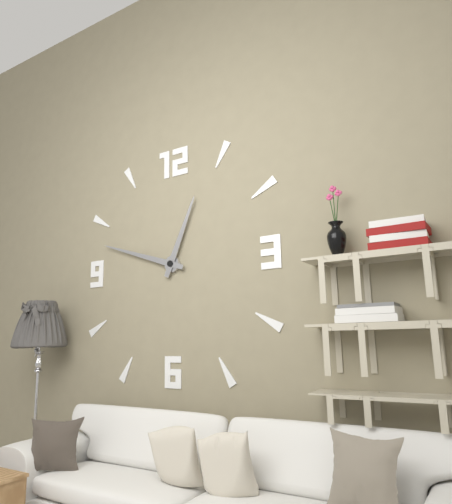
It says 12:48
